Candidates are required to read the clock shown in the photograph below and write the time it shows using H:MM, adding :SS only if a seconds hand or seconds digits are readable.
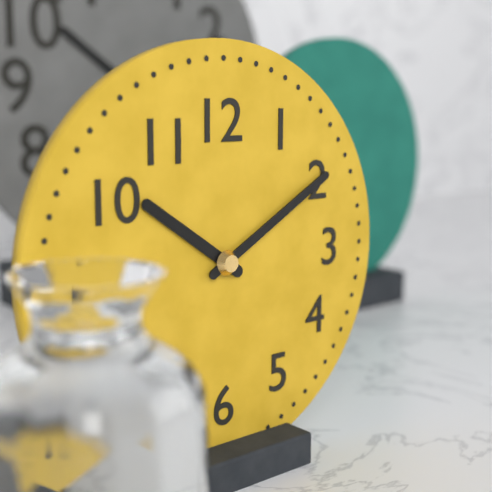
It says 10:10
